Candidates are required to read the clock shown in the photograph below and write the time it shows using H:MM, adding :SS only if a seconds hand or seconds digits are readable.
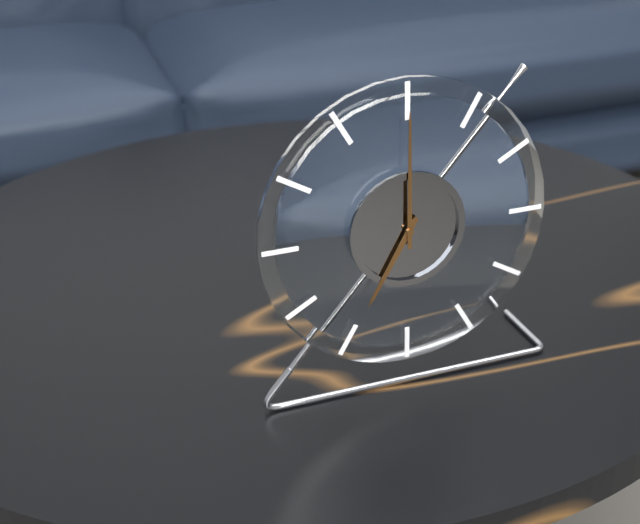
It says 7:00
